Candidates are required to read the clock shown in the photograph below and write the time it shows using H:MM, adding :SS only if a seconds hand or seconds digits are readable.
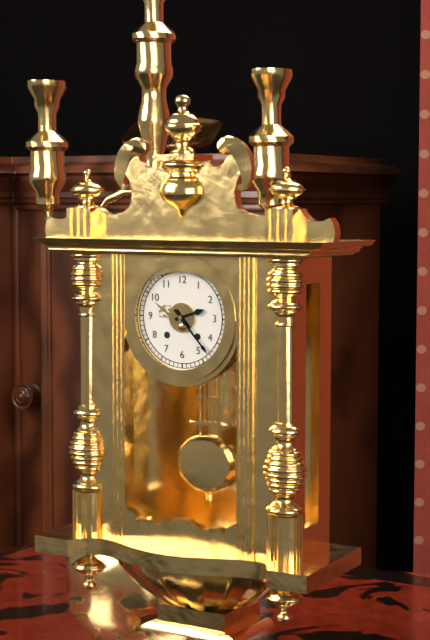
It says 2:23
